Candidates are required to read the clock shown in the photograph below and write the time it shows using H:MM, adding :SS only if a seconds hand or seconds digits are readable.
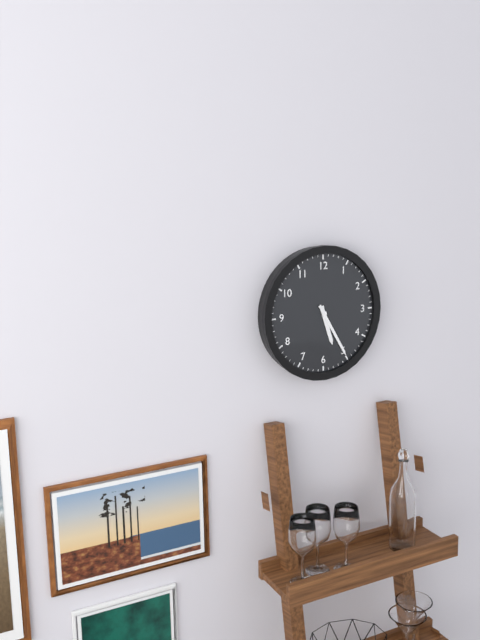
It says 5:25
